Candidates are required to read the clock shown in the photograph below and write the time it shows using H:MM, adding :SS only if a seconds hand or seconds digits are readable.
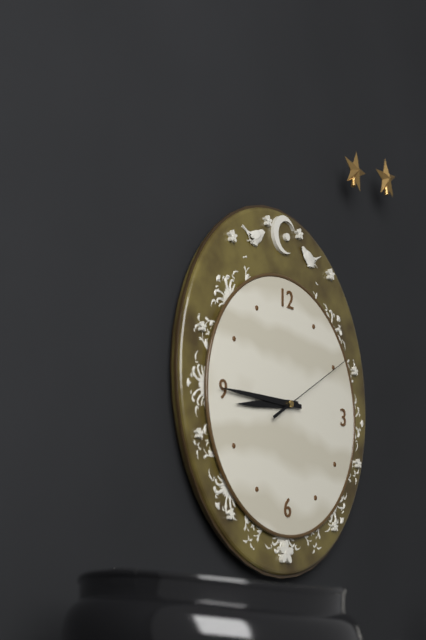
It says 8:45:10
